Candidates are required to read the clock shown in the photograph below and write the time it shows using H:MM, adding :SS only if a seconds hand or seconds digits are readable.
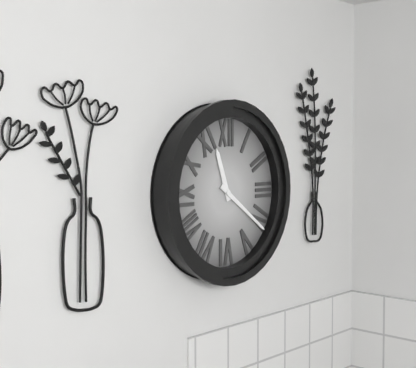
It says 11:21
